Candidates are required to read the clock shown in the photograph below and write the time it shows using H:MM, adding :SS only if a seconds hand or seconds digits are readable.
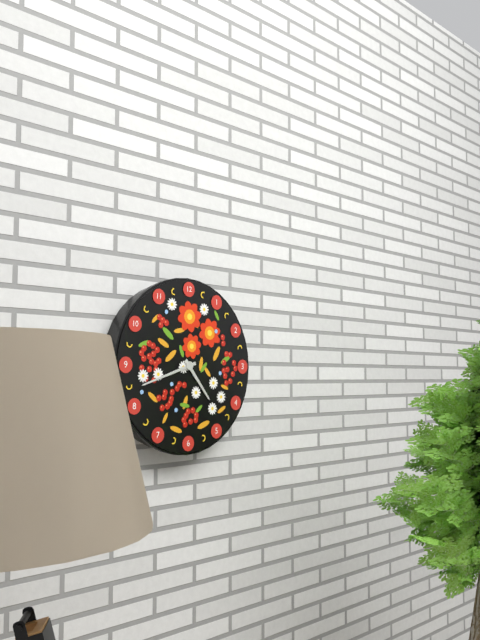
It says 4:42
